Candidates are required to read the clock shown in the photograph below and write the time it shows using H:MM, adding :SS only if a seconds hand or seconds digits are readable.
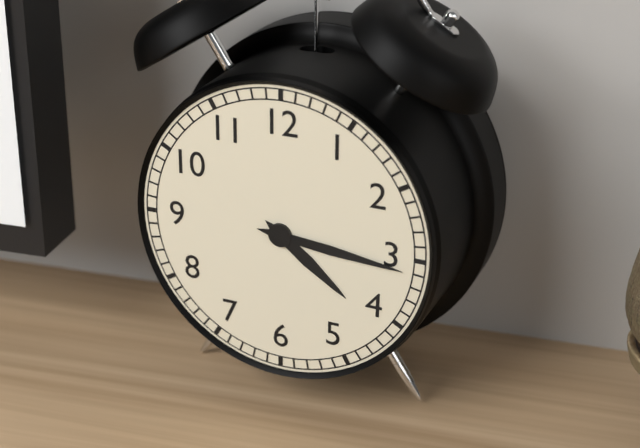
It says 4:16
